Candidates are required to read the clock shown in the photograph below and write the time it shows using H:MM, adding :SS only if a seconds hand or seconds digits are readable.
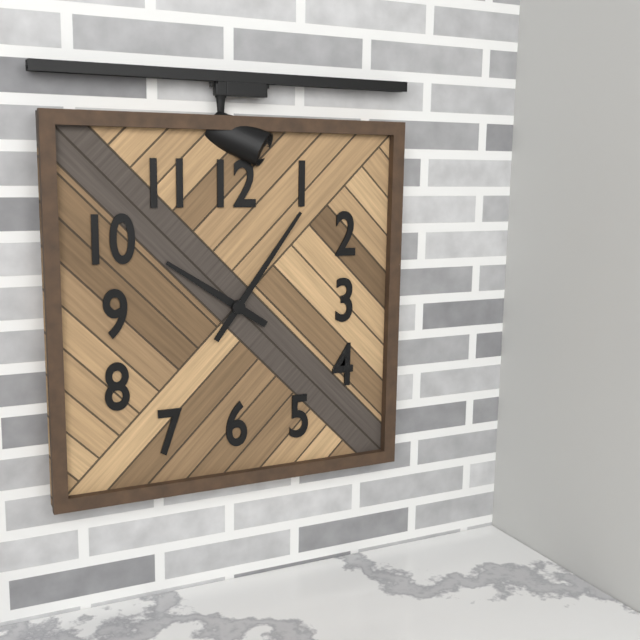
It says 10:06
